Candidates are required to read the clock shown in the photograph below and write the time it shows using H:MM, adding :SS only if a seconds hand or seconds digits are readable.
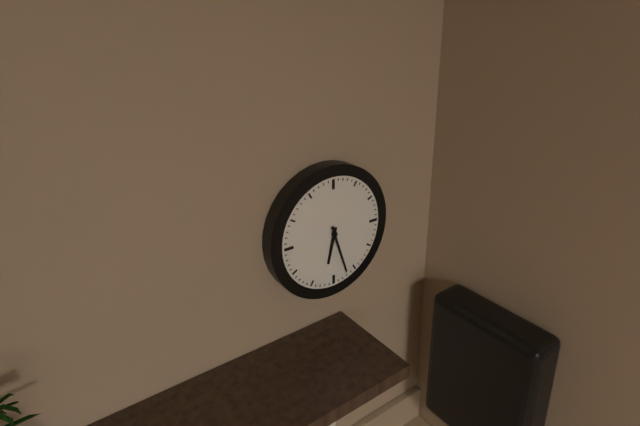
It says 6:27
